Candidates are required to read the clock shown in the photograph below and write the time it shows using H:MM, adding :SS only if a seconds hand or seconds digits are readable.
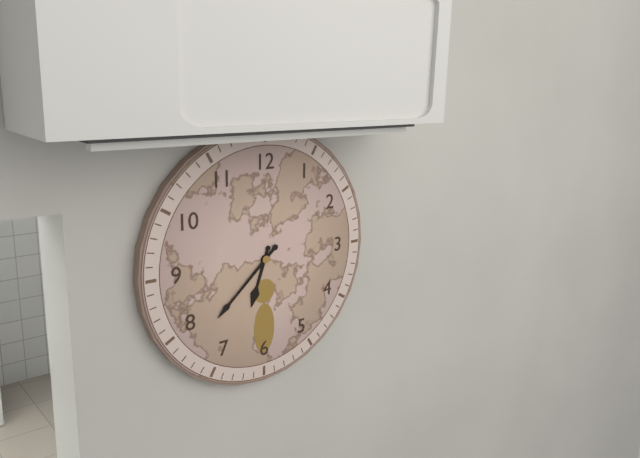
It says 6:38
